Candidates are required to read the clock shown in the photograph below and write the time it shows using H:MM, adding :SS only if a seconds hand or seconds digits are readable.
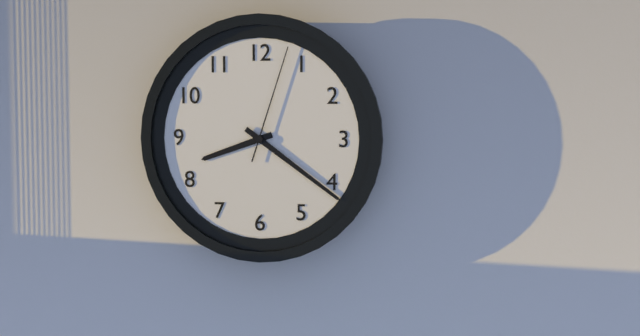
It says 8:21:03
